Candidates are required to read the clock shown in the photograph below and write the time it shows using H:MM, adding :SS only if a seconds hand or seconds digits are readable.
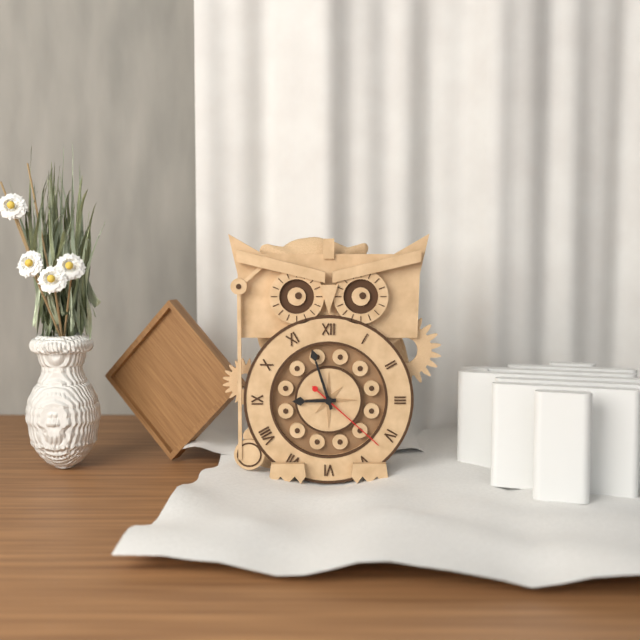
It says 8:57:22
